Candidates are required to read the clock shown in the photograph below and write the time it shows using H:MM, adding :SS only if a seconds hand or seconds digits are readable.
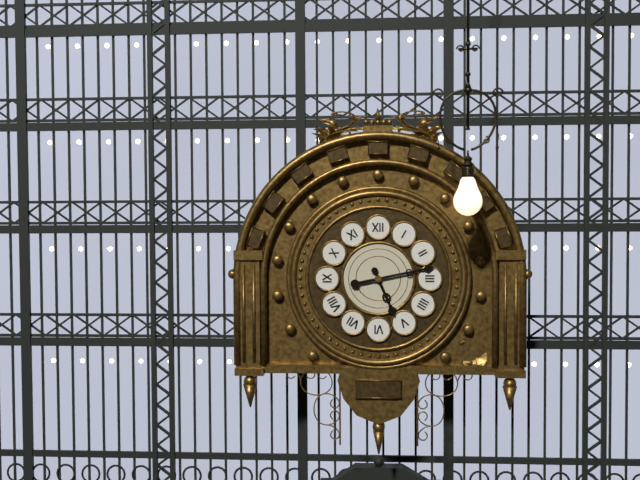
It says 5:13
